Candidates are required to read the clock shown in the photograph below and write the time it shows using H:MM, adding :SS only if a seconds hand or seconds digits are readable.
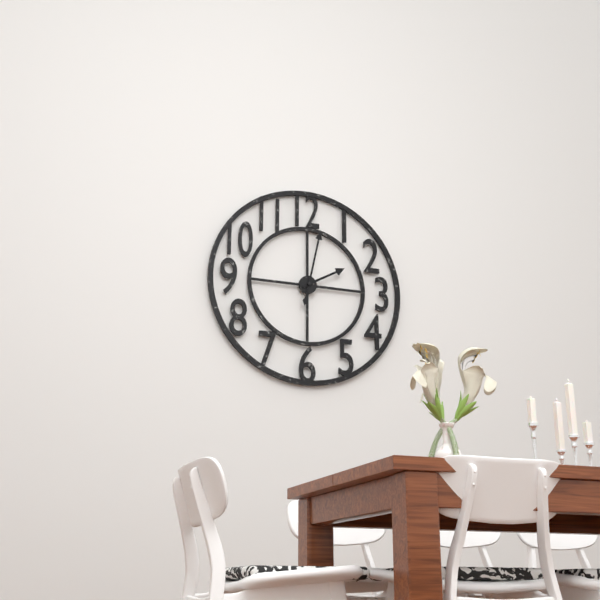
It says 2:02
